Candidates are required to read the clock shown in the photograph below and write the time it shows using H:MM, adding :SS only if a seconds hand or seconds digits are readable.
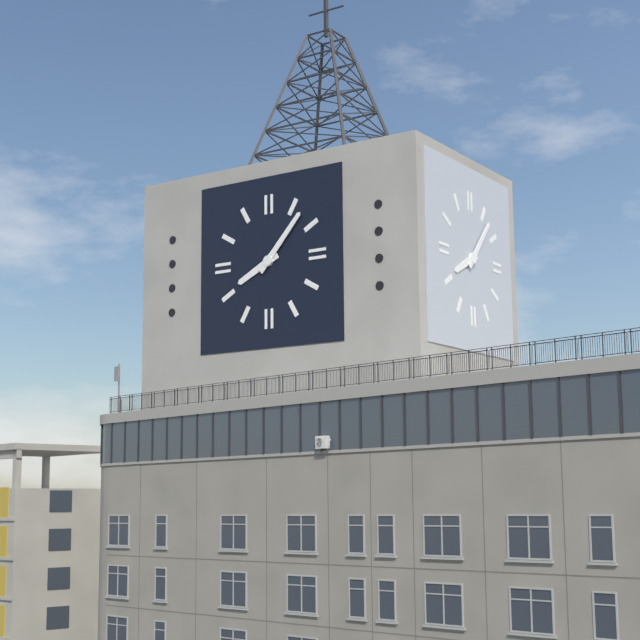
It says 8:07
